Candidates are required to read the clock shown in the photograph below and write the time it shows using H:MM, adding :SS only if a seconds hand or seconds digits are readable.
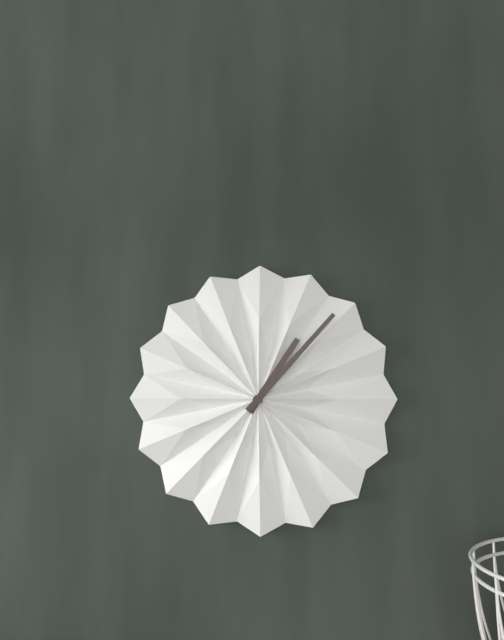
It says 1:07
